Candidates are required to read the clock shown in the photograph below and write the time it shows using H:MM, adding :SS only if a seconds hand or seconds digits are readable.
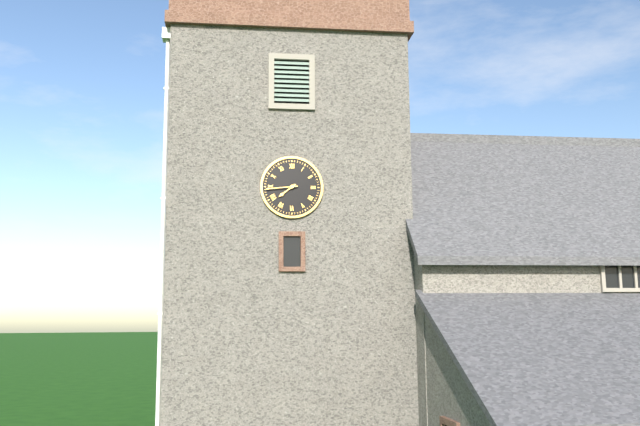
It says 7:44
